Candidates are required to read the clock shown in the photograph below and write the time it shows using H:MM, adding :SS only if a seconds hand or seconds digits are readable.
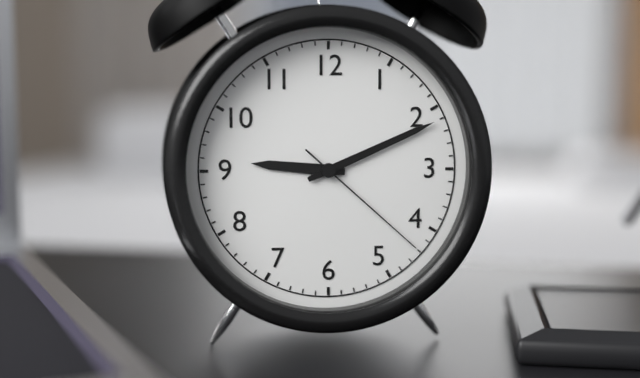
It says 9:11:22
